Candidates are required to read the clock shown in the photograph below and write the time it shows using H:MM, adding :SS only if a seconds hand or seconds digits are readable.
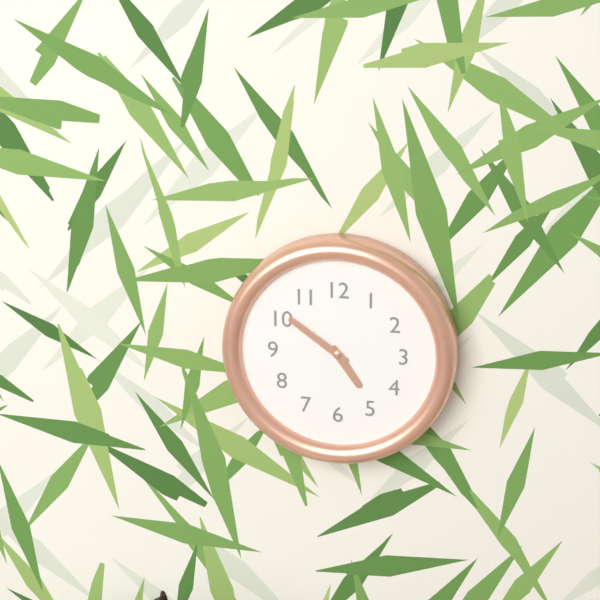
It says 4:51
